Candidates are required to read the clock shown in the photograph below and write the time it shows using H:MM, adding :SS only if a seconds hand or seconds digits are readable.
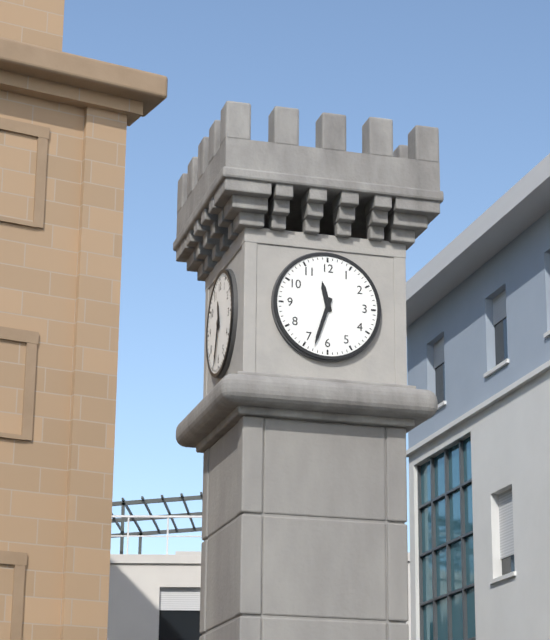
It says 11:33
